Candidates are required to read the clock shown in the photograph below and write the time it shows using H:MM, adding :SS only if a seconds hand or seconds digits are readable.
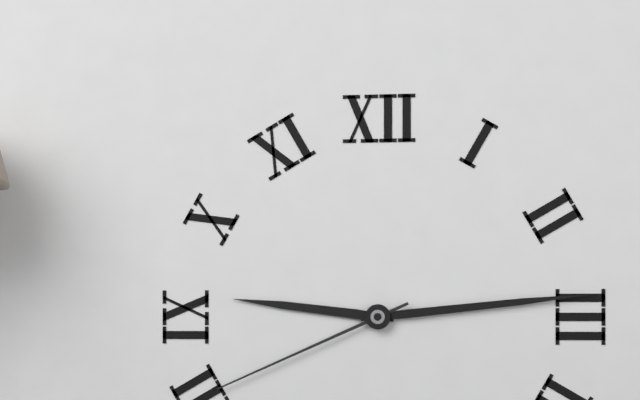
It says 9:14:41
